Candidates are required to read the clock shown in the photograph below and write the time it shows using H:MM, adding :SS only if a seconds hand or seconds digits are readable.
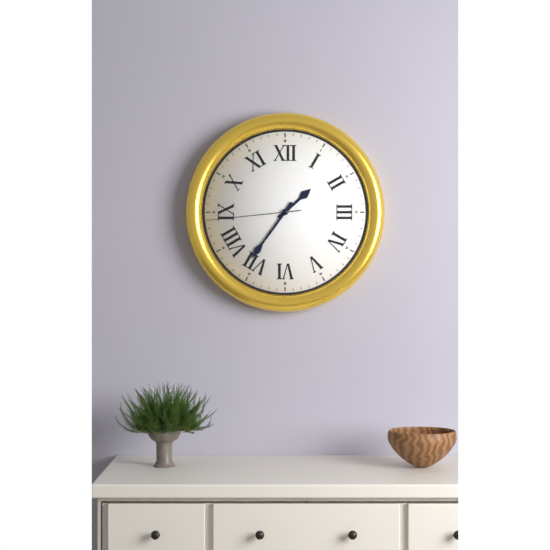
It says 1:36:44
